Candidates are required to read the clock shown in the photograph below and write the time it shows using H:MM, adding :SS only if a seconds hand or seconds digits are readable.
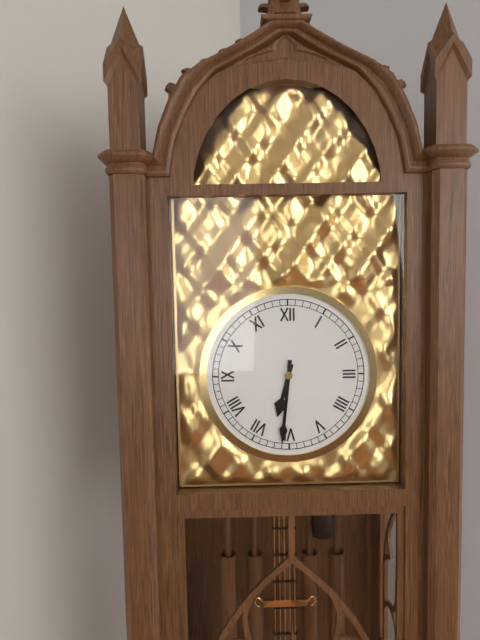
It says 6:31
